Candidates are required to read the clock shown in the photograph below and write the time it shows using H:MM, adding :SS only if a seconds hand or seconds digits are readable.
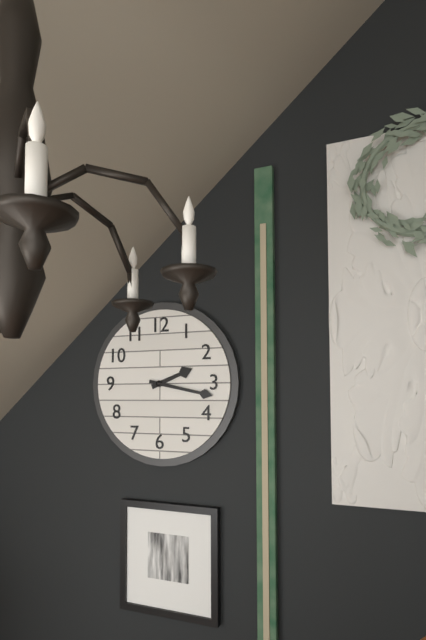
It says 2:17
